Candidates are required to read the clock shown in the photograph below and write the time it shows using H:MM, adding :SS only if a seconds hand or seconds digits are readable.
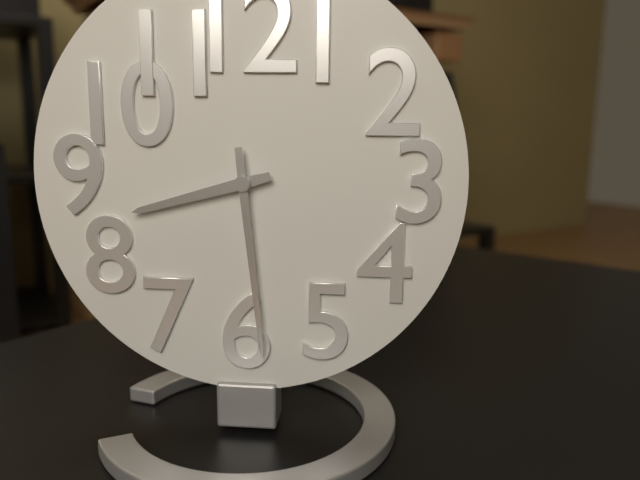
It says 8:29
